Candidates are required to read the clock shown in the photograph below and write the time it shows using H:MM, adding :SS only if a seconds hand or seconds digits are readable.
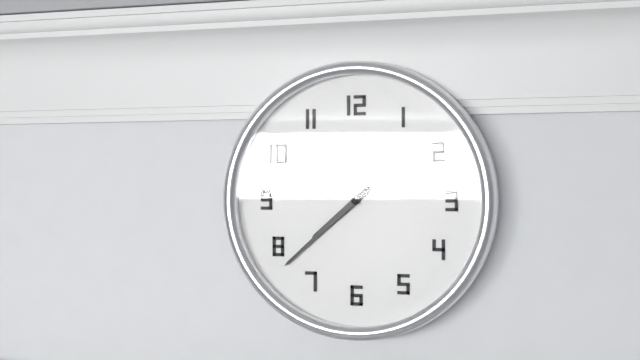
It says 7:38
